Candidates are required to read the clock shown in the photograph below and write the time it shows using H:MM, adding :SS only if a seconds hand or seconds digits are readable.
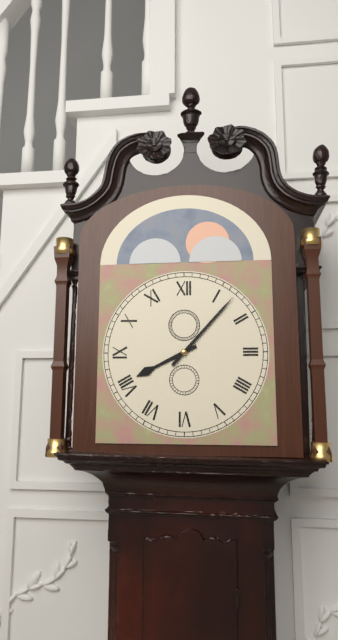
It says 8:07
